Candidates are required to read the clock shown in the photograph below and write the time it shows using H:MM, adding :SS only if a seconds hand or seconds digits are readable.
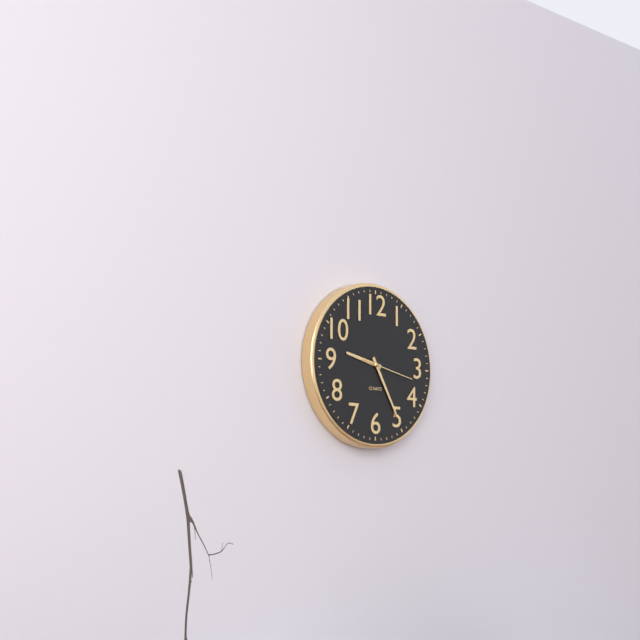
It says 9:25:17
